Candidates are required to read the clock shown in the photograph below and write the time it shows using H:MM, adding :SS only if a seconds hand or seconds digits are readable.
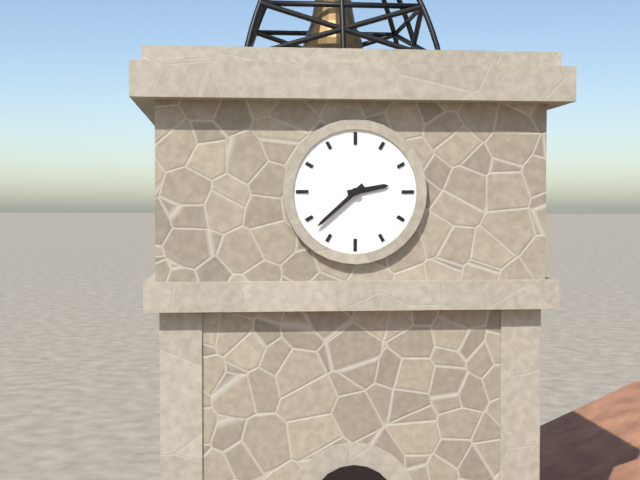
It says 2:38
